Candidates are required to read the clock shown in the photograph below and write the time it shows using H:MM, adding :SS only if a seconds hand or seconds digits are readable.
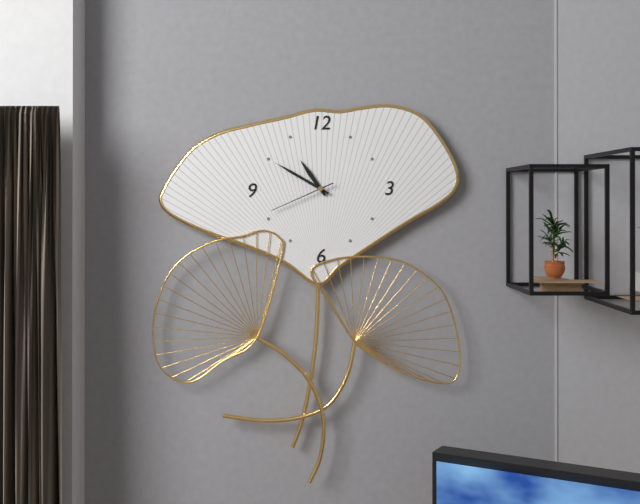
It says 10:50:41
